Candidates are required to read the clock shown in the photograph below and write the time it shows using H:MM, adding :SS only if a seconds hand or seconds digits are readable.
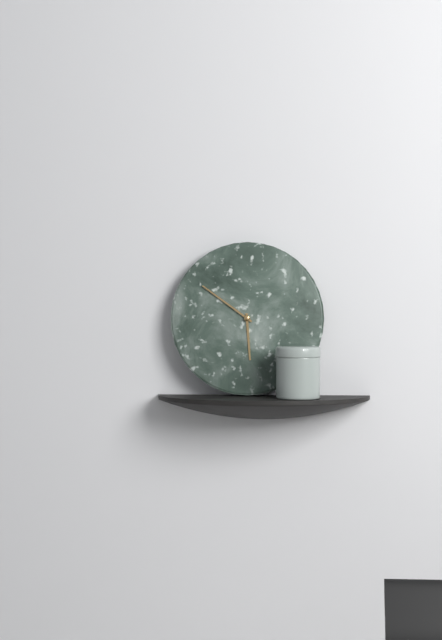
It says 5:51
